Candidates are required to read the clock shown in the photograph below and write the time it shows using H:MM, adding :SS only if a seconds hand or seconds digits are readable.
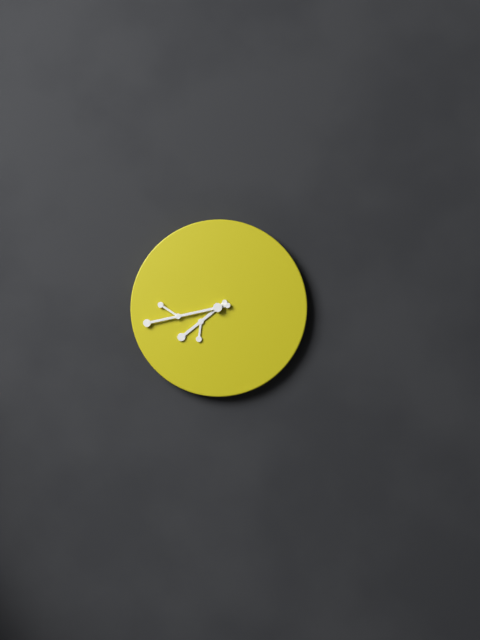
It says 7:43
